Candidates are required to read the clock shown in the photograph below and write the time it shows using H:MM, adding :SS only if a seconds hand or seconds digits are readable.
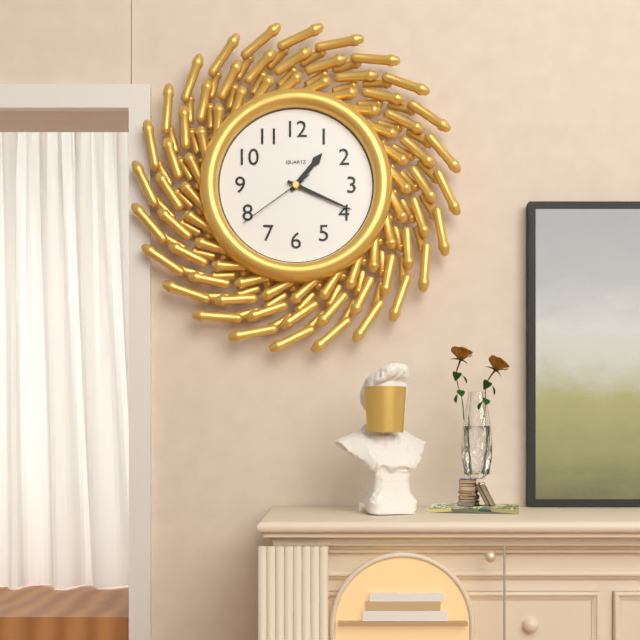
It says 1:19:39
